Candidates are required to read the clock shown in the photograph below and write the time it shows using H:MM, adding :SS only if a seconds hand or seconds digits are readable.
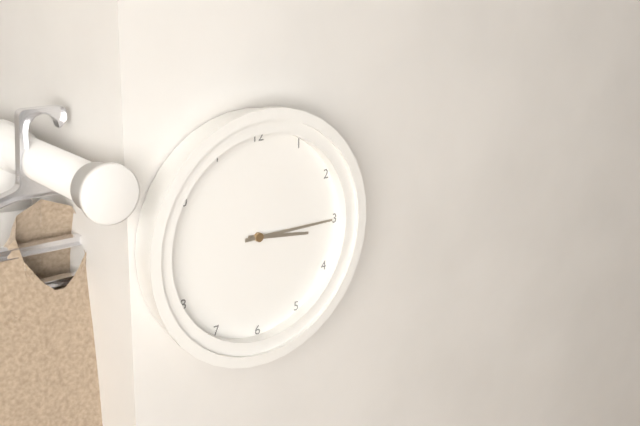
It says 3:15
